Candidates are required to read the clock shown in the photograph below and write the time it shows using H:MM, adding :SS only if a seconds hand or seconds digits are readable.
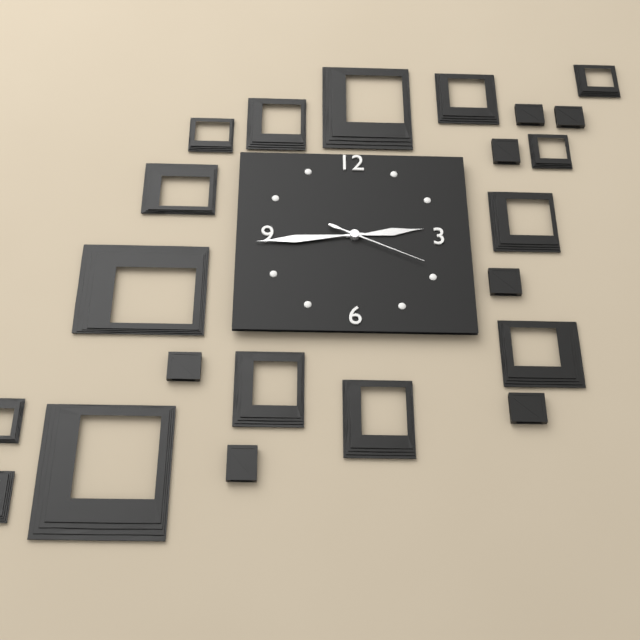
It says 2:44:19
